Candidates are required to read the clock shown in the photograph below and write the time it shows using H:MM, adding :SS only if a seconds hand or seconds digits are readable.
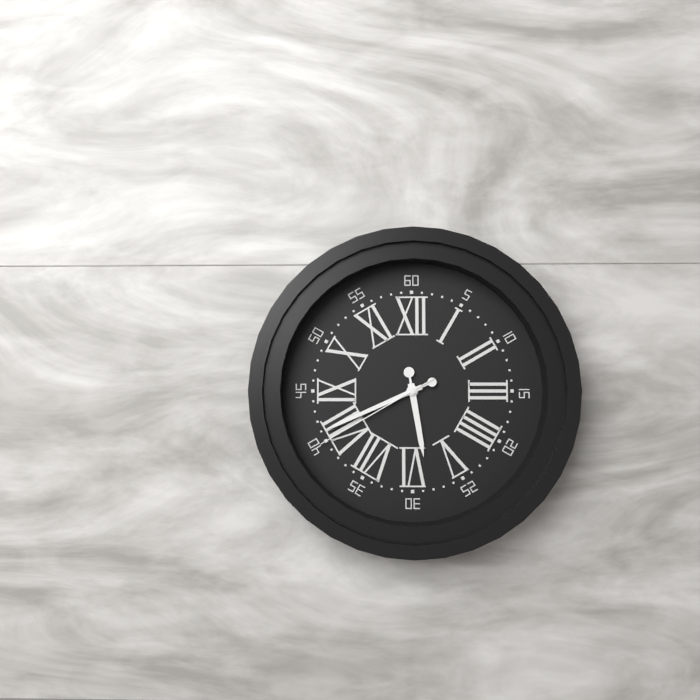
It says 5:41:40
